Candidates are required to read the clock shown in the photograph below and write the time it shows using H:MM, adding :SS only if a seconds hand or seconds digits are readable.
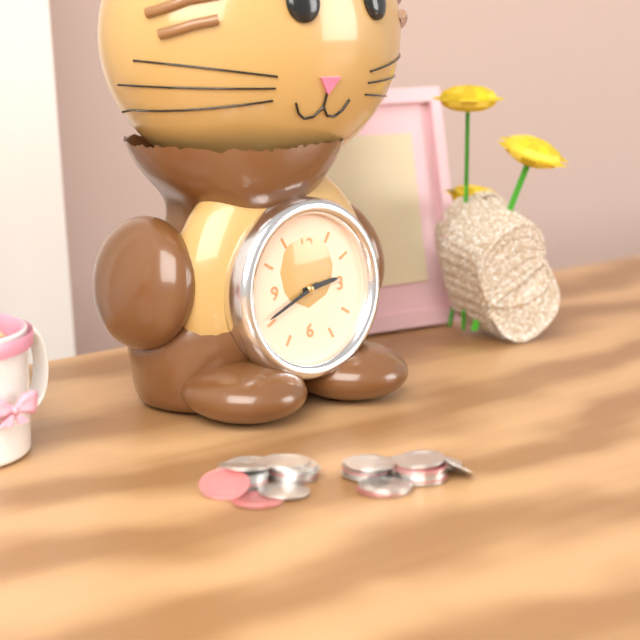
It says 2:41
